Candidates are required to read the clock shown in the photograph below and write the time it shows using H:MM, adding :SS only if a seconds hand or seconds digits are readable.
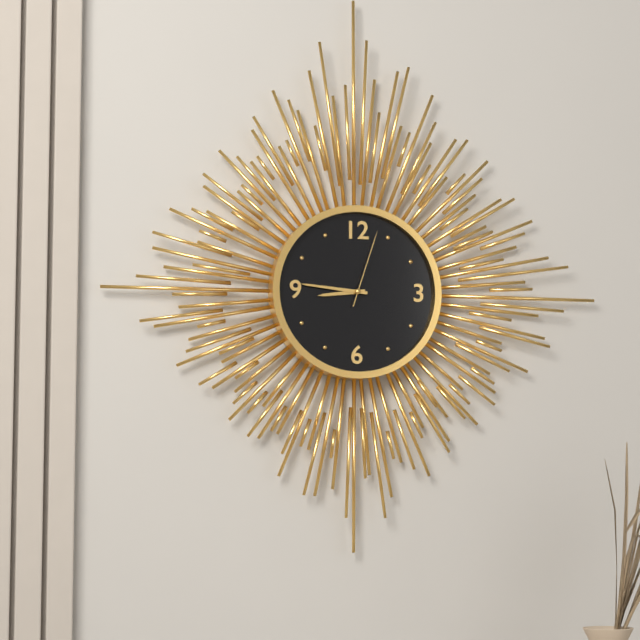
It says 8:46:03
